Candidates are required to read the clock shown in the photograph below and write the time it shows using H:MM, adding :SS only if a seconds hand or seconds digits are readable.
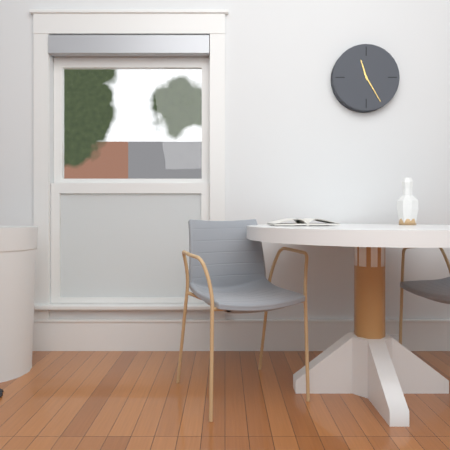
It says 11:25
